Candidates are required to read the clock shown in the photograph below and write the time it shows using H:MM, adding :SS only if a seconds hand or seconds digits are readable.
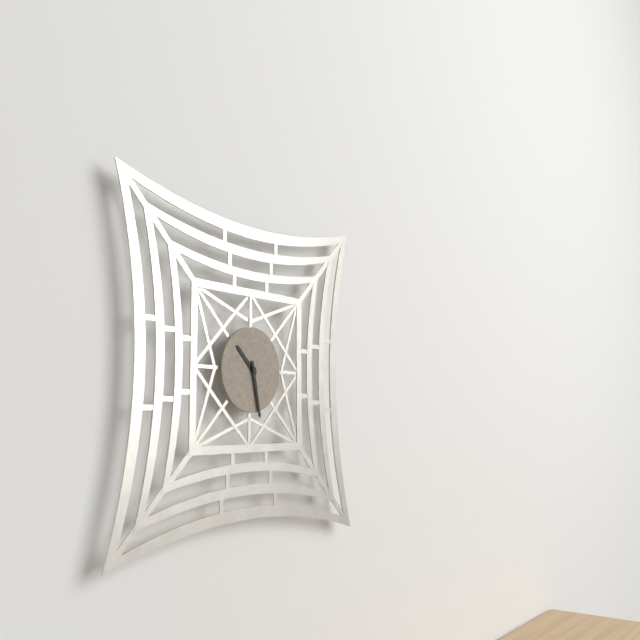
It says 10:28
